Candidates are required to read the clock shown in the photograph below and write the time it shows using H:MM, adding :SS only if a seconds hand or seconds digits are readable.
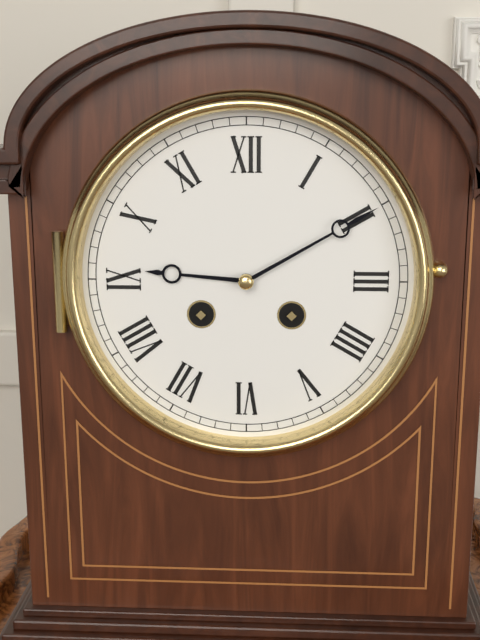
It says 9:10
